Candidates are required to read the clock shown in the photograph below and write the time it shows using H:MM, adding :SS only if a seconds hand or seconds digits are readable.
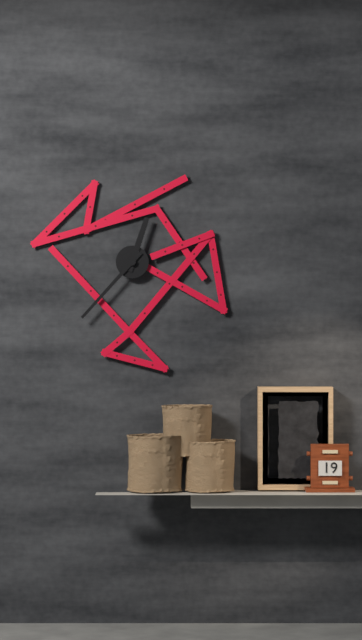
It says 12:37
